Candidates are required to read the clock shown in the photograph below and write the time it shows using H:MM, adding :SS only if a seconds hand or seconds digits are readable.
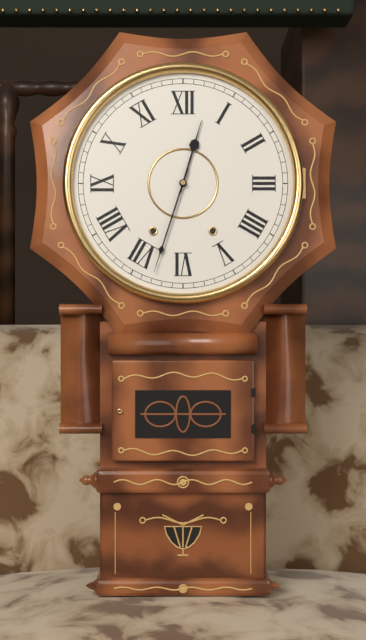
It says 12:33
